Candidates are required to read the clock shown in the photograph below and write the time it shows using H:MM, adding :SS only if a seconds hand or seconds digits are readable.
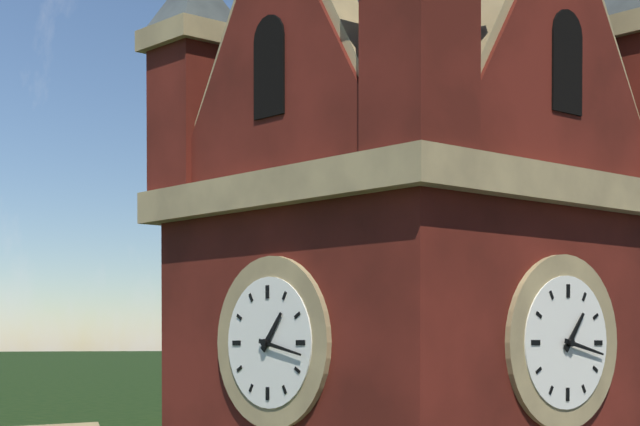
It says 1:17
